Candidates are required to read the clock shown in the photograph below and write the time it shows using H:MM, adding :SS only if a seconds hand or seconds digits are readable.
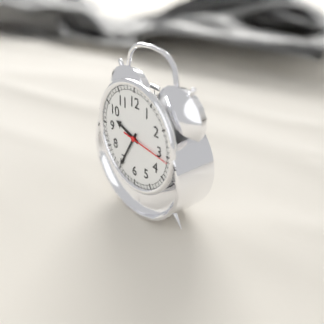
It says 9:35:16
